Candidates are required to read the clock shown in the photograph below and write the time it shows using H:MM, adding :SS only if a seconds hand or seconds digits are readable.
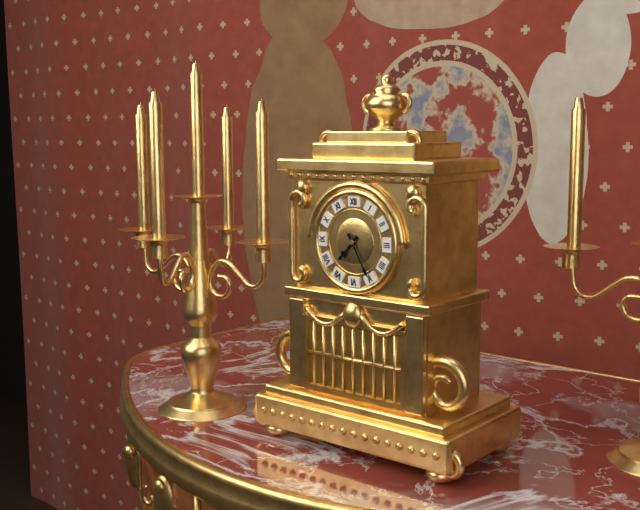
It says 7:25
